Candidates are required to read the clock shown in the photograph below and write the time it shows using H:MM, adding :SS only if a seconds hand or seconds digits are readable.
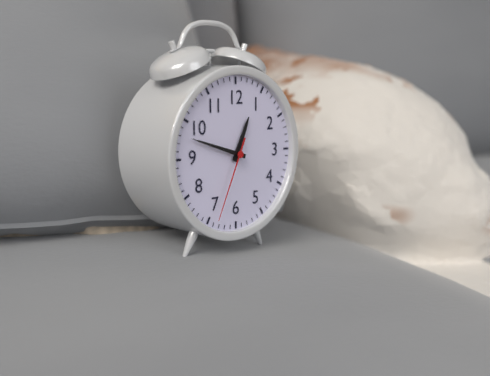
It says 12:48:34
